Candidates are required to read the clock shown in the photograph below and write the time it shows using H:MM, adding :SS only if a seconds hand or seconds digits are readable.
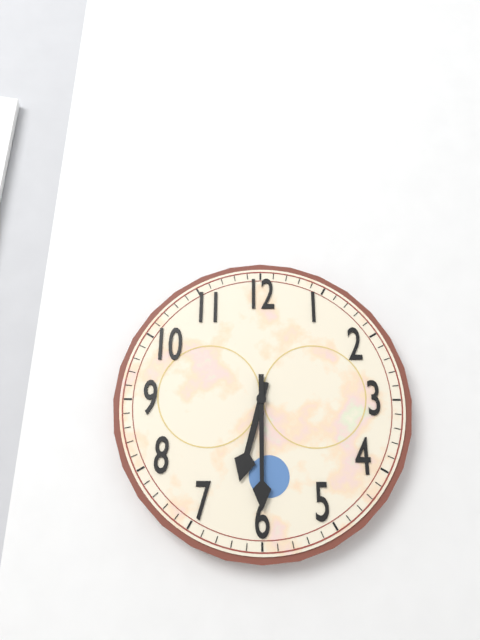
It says 6:30
